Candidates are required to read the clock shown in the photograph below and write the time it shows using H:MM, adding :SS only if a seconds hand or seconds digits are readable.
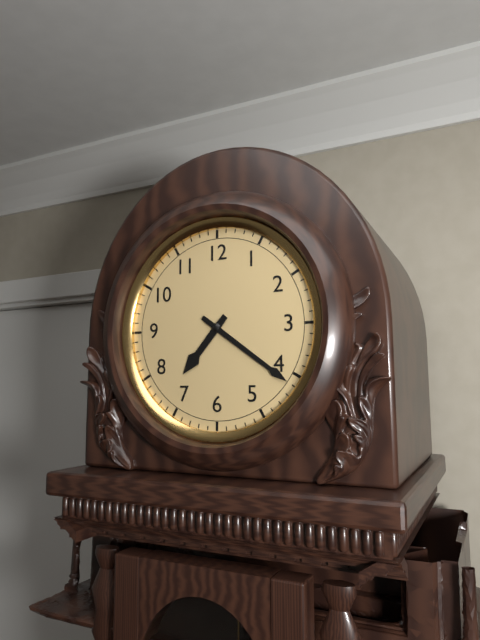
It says 7:21
